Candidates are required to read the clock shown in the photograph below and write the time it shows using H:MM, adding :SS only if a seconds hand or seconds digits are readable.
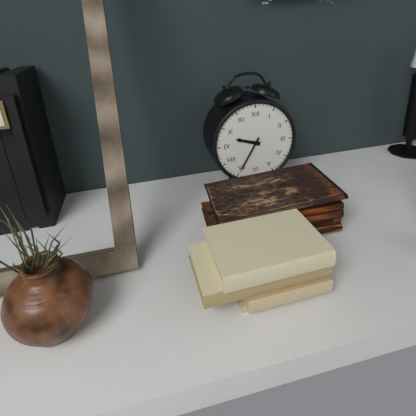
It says 9:35
